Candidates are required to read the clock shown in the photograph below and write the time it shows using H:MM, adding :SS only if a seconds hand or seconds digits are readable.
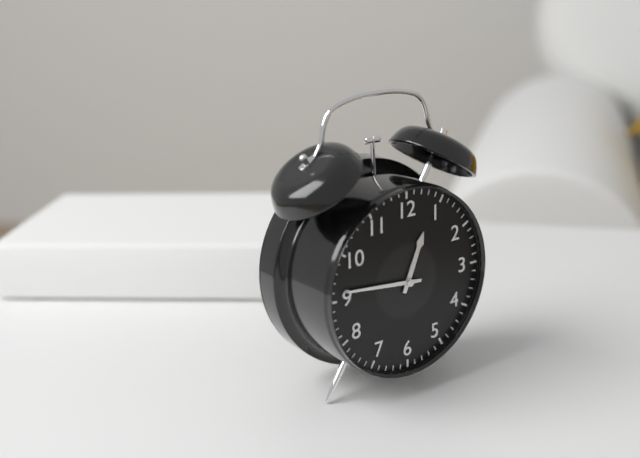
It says 12:46
